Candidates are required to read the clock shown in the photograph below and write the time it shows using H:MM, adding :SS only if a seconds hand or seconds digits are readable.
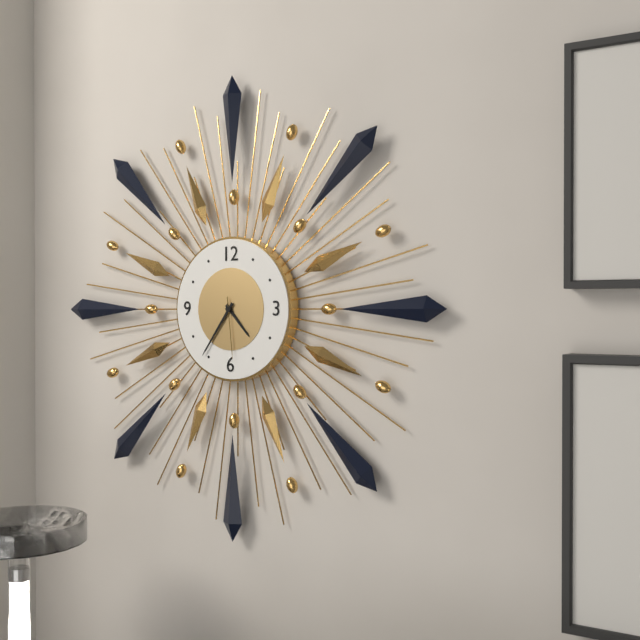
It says 4:36:29
